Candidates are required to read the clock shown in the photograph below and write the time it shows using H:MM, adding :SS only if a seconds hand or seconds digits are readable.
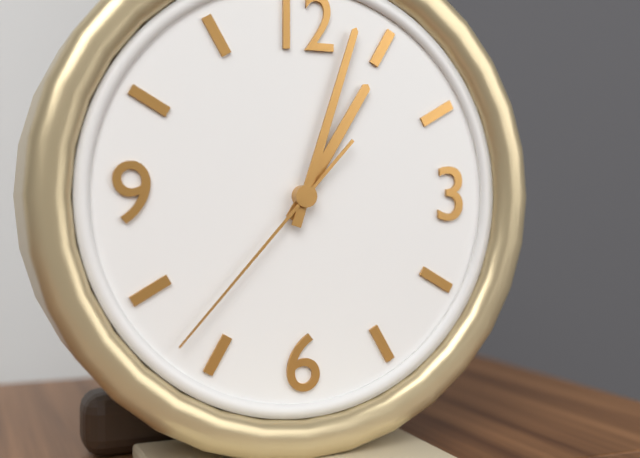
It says 1:03:37
